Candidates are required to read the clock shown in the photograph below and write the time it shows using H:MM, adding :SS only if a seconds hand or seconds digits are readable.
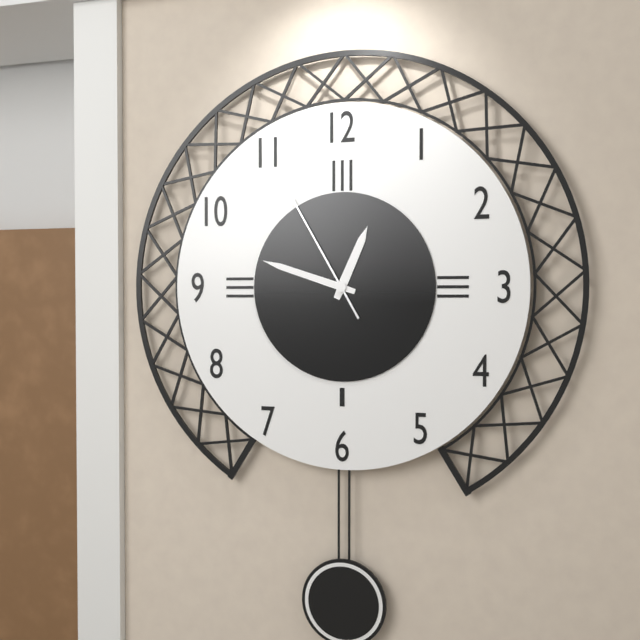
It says 12:48:55
